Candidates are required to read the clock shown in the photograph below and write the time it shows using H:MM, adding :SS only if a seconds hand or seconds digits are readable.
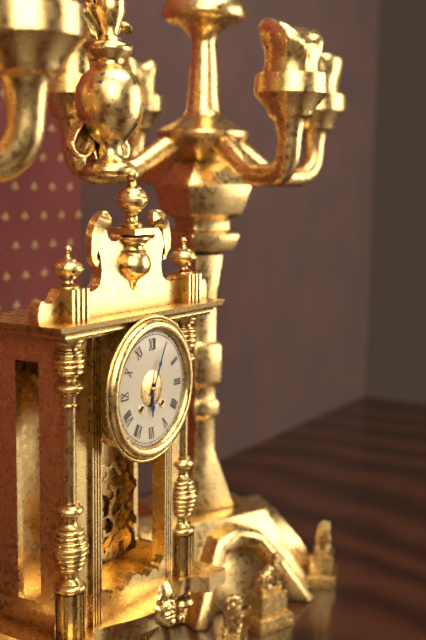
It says 6:04
